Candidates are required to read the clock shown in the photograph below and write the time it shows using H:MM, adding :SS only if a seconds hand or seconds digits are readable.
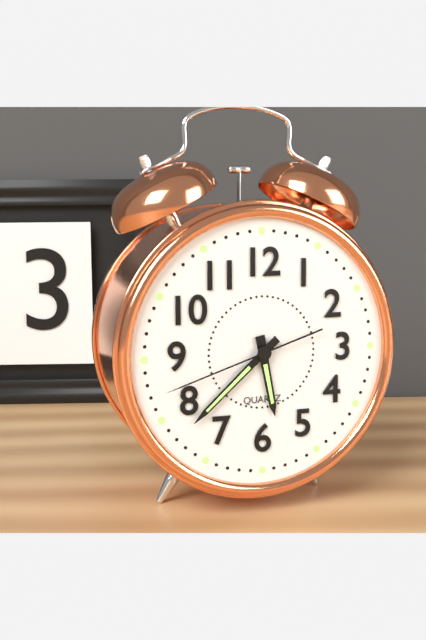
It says 5:38:42
